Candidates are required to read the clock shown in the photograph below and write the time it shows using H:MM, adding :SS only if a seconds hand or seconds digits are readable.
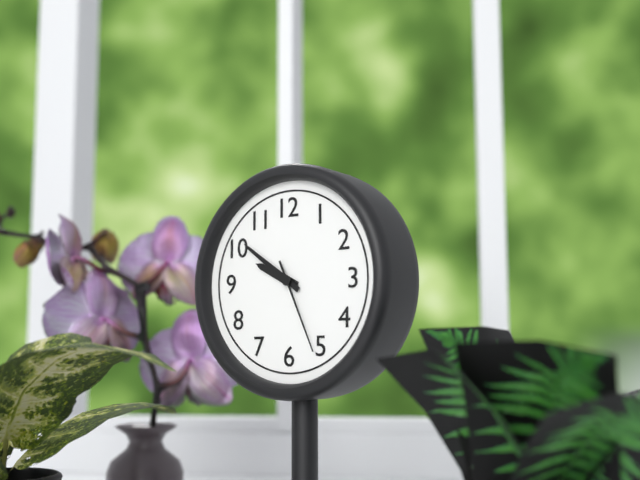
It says 9:51:26
